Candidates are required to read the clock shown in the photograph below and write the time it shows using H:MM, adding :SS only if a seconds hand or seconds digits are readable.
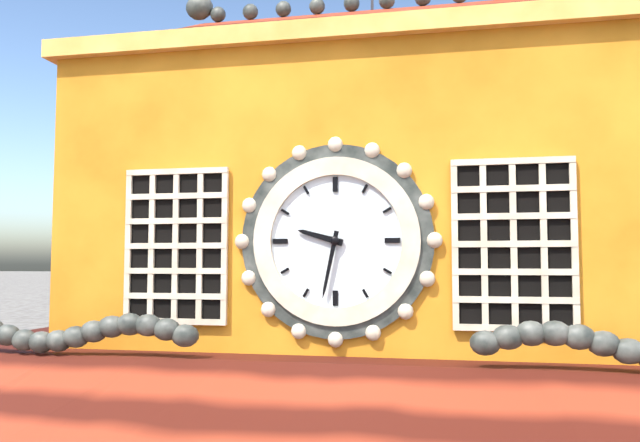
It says 9:32
